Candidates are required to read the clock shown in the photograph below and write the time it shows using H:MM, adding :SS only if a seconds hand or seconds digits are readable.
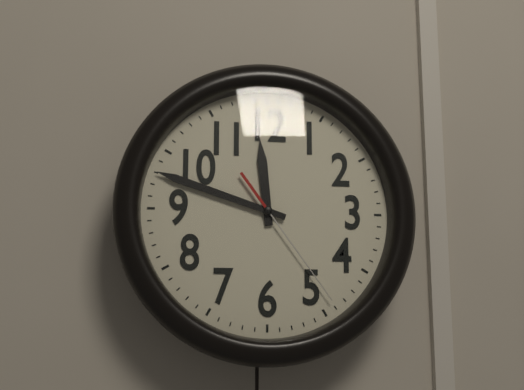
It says 11:48:24
